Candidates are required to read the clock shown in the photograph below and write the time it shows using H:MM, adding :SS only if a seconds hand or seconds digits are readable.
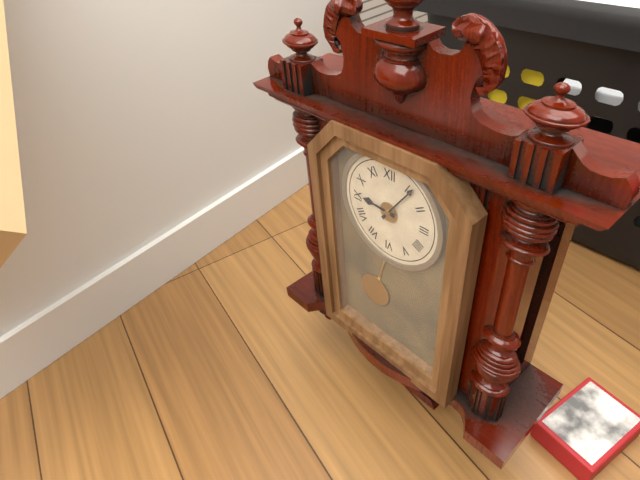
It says 9:06
